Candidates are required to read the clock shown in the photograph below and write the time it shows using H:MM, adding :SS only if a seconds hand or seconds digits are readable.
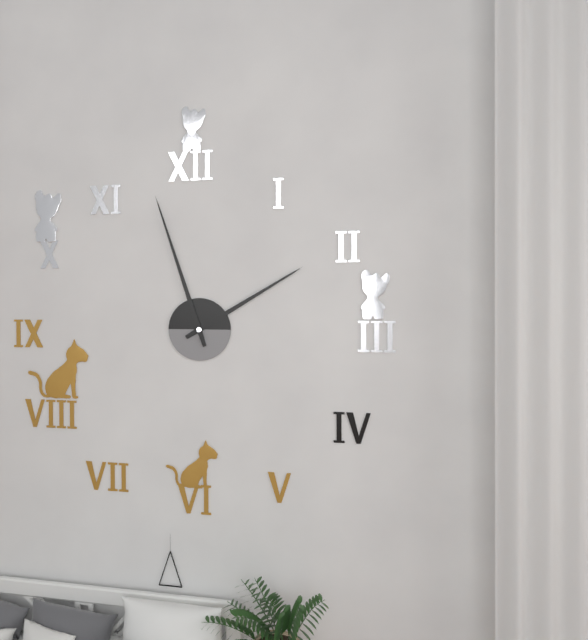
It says 1:57
